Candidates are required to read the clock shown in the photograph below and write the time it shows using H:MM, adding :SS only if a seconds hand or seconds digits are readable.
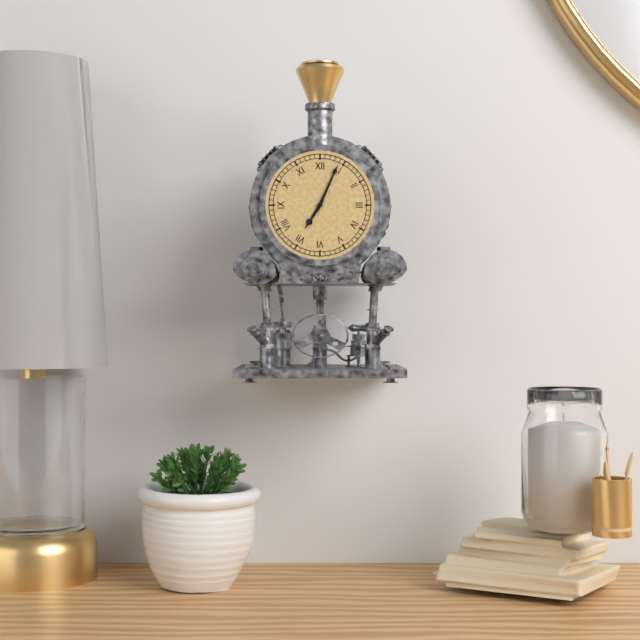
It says 7:04
